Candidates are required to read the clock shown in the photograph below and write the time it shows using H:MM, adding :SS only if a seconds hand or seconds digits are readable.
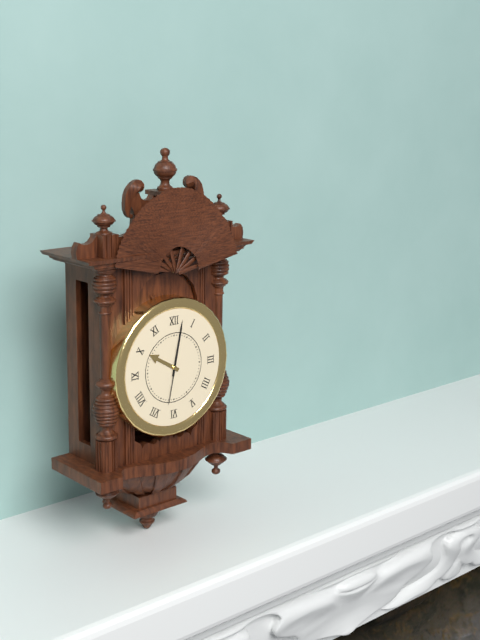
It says 10:02
